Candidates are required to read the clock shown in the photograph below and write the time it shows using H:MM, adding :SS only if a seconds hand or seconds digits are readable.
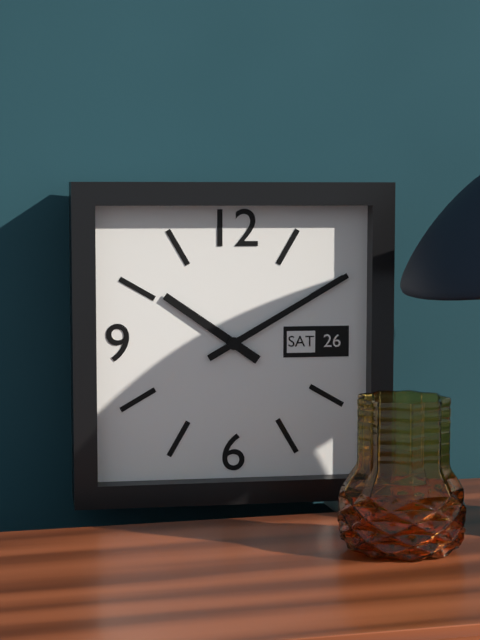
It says 10:10
